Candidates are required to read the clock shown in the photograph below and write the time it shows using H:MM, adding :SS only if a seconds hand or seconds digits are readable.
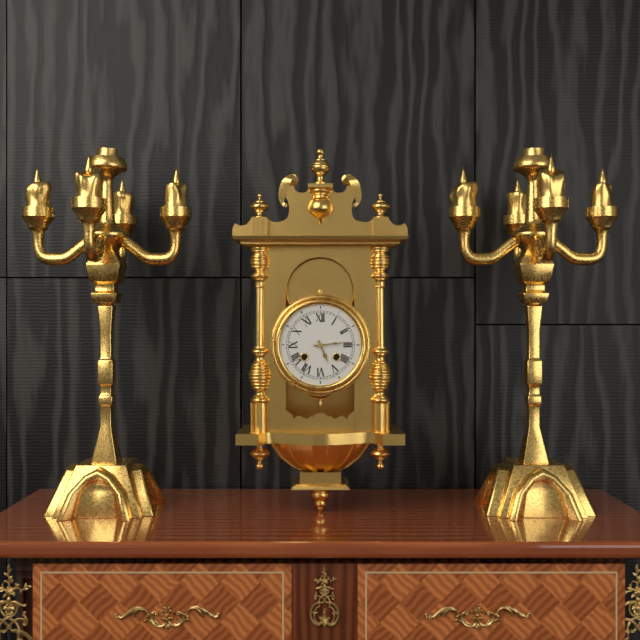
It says 5:14
